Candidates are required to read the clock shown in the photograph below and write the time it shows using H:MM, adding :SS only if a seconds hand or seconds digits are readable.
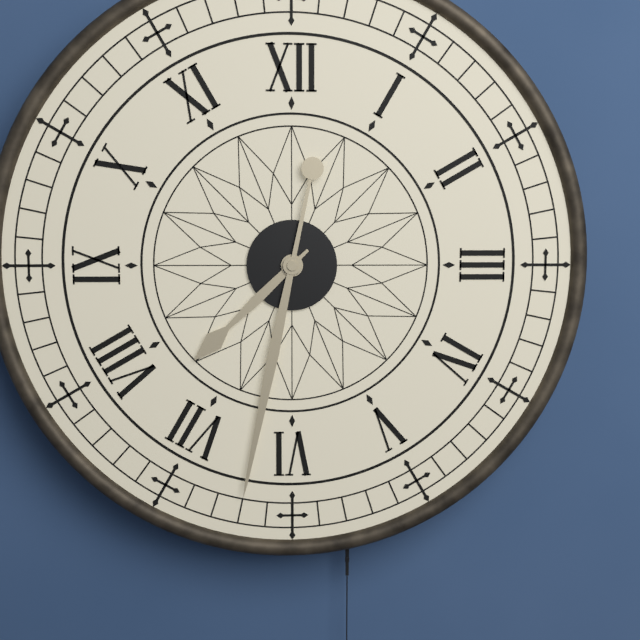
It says 7:32
